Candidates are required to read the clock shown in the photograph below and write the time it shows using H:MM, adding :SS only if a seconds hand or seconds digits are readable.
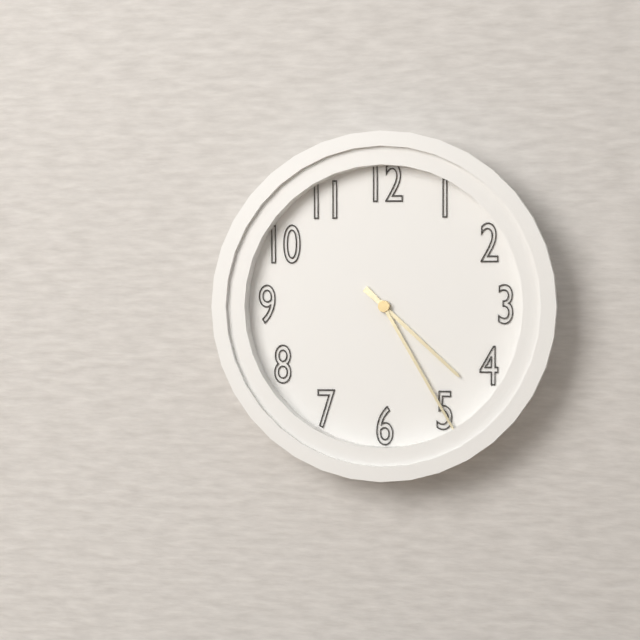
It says 4:25
